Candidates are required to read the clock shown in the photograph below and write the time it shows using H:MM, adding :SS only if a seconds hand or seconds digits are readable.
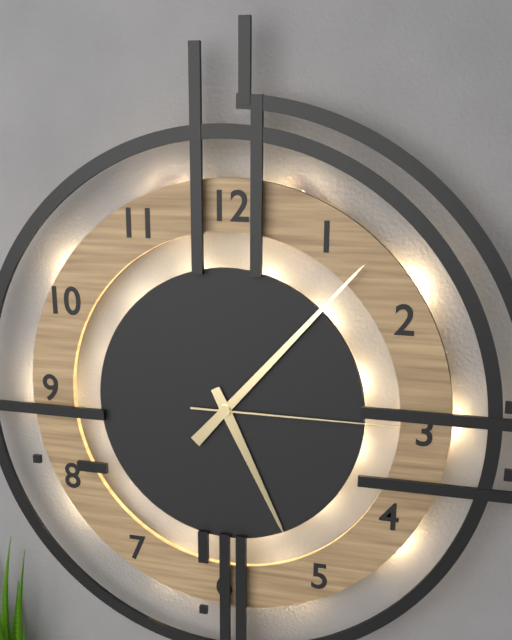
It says 5:07:15
